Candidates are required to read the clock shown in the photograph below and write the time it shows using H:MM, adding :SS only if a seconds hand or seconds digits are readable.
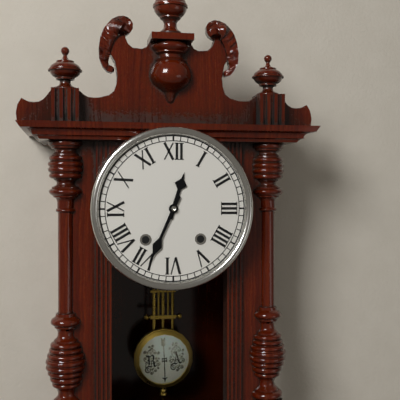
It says 12:34
